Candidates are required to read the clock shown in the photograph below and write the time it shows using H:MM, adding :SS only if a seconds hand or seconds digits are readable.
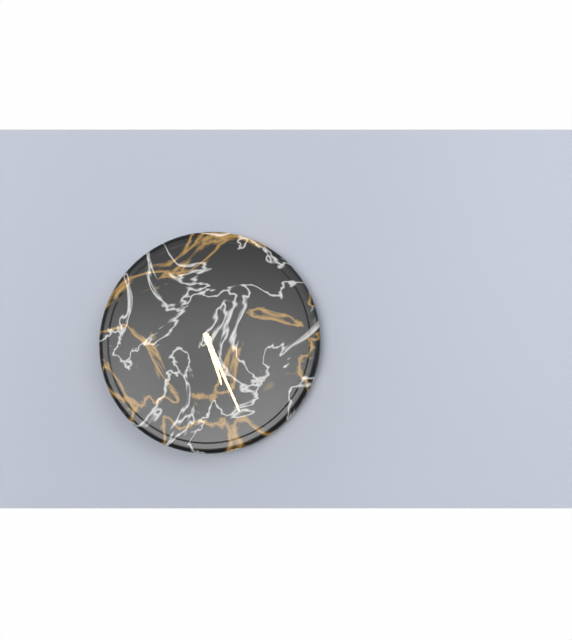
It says 5:26
